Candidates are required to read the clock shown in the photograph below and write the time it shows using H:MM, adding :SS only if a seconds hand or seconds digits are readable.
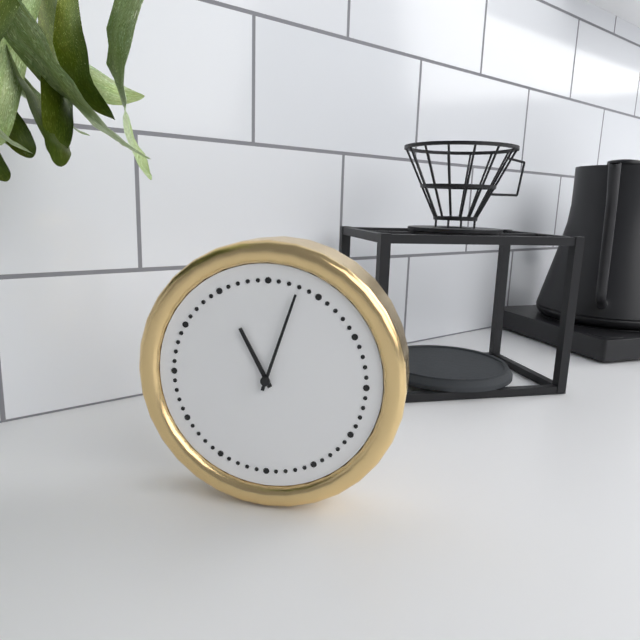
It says 11:03
